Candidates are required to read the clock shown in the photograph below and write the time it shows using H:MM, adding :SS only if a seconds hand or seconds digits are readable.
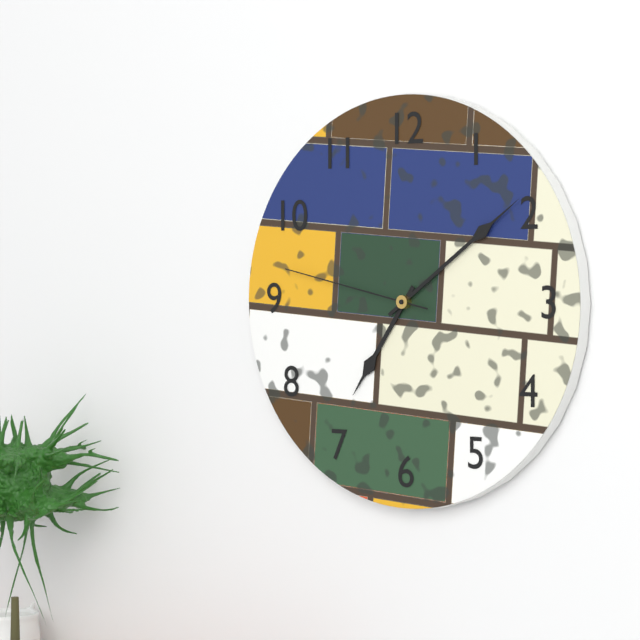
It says 7:09:47
